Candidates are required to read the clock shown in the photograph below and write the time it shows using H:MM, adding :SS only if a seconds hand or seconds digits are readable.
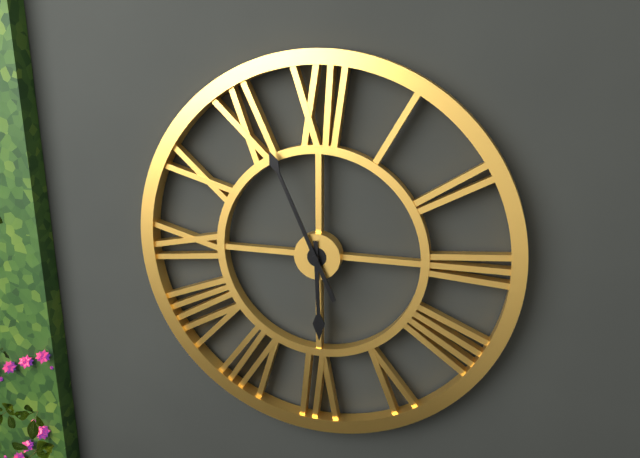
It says 5:56
